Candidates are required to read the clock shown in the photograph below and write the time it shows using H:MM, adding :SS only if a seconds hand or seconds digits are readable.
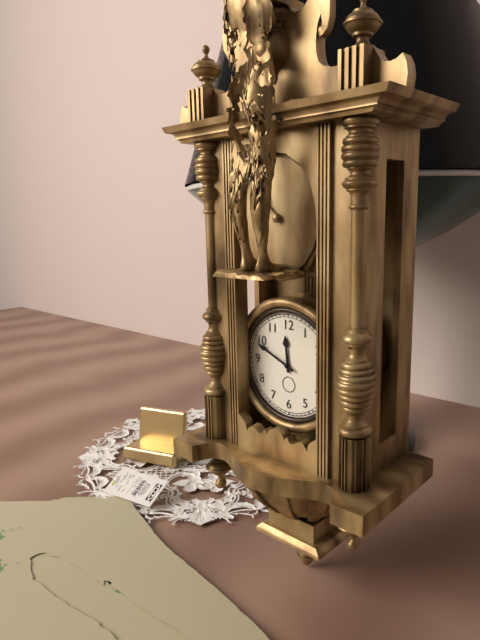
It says 11:49
